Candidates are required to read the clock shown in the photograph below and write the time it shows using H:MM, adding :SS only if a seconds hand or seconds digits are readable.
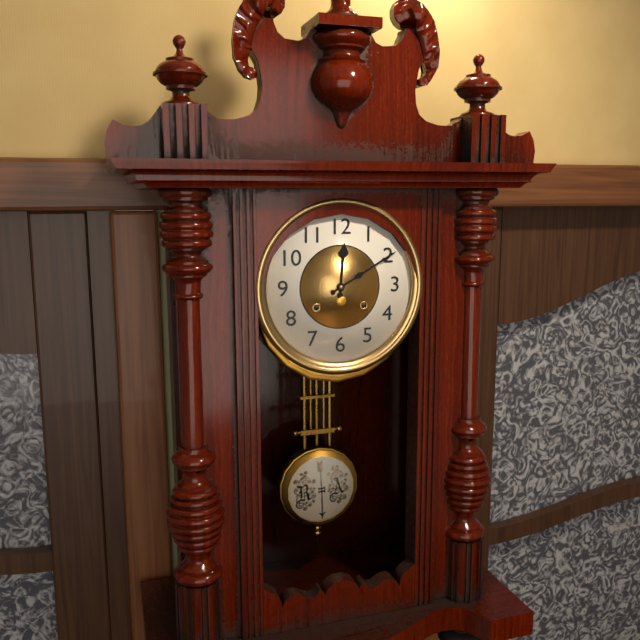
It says 12:10
